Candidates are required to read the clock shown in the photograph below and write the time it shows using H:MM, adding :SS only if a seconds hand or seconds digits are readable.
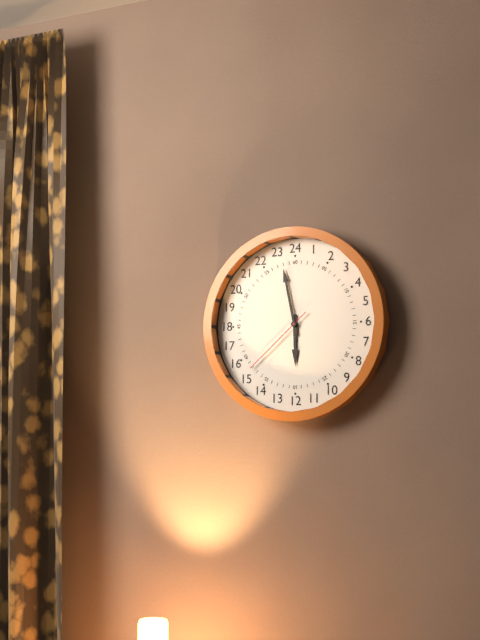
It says 5:58:38
